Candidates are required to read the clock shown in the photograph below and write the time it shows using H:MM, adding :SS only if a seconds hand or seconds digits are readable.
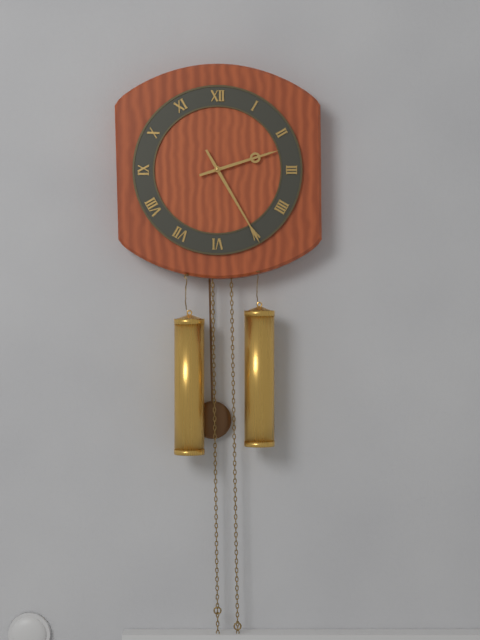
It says 2:25
